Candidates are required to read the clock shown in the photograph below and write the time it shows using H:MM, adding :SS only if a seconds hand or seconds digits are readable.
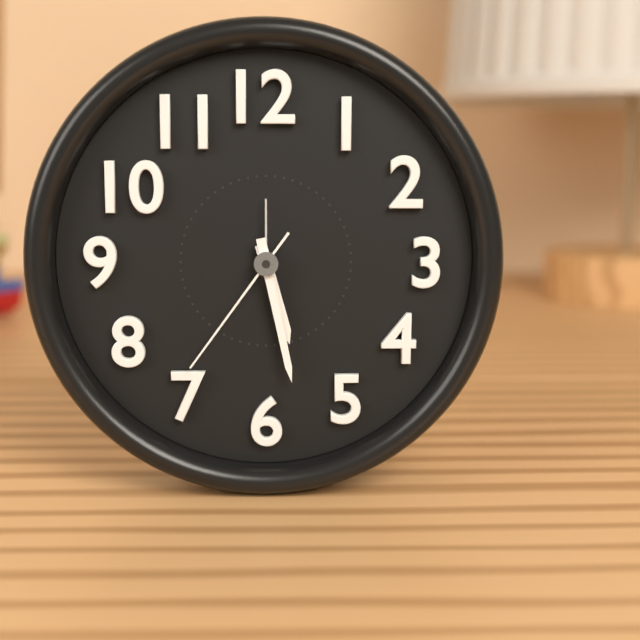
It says 5:28:36
